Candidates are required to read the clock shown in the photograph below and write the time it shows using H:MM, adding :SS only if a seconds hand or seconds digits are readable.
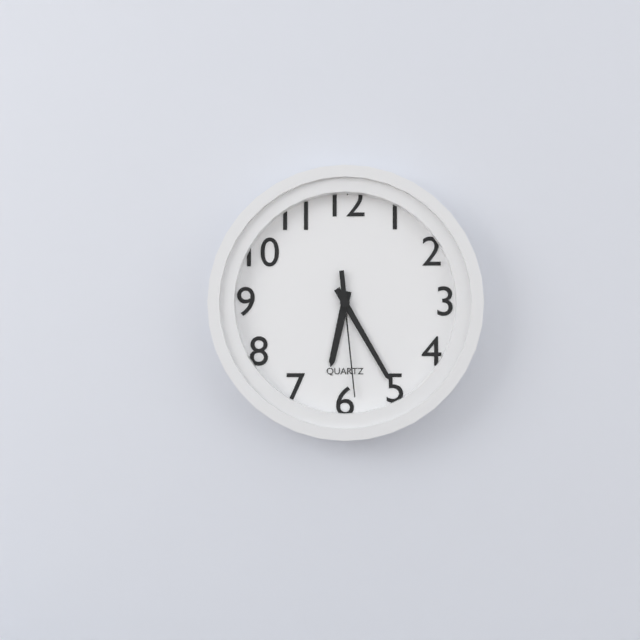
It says 6:25:29
